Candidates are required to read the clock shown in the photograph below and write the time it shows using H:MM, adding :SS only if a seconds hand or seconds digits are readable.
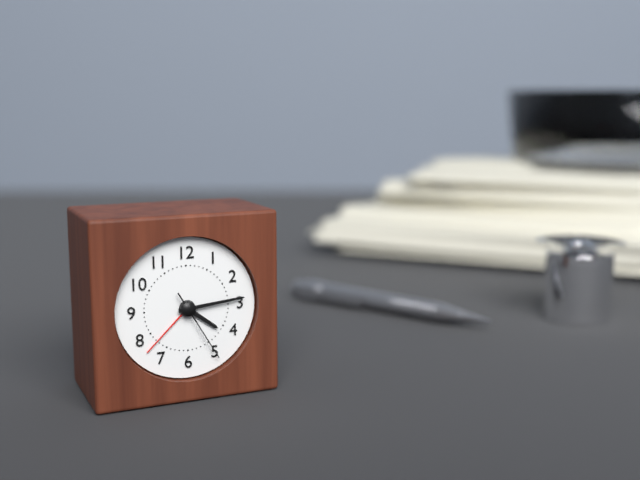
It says 4:14:25
